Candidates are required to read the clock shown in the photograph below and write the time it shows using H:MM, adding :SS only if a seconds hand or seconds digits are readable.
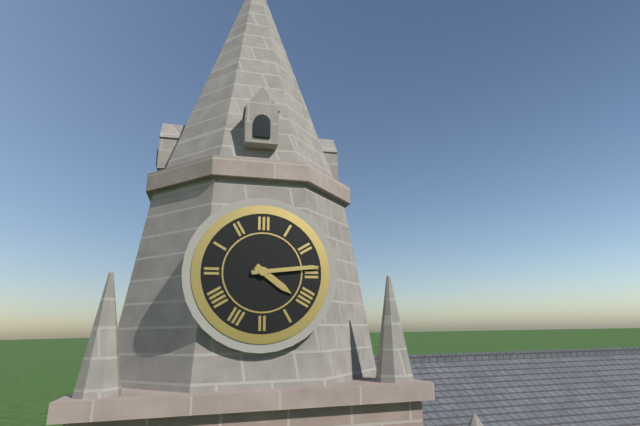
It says 4:14
